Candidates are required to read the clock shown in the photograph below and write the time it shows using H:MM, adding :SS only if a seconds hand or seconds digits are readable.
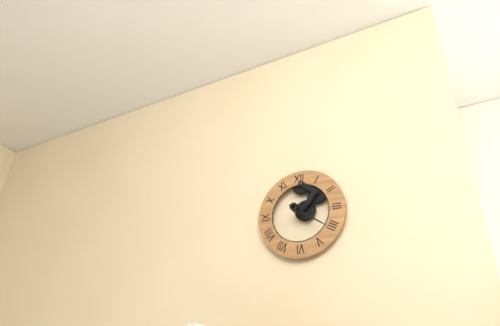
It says 4:21
